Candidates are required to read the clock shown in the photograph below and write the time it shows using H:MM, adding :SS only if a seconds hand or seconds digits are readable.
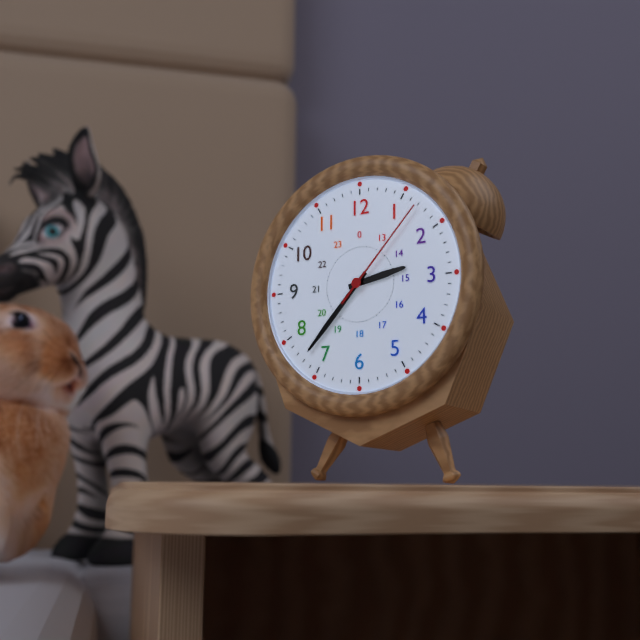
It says 2:37:07
